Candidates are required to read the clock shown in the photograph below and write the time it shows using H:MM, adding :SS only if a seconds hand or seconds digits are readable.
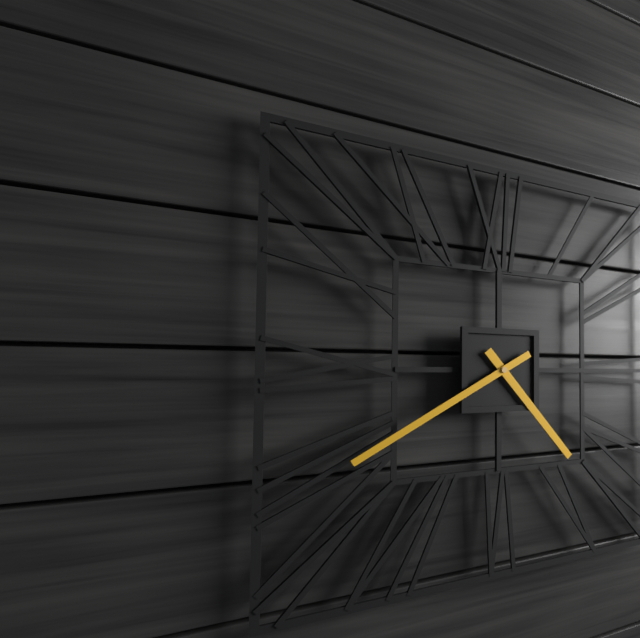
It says 4:40
